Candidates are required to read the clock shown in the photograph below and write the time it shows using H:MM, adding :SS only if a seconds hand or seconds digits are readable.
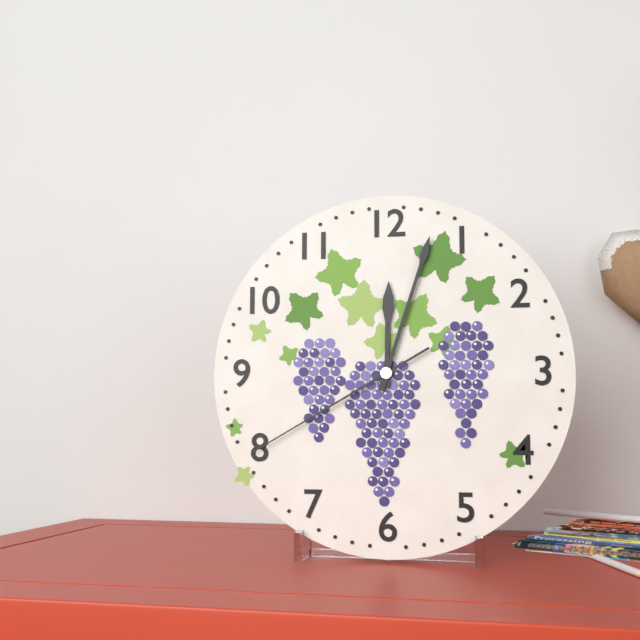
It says 12:03:40
